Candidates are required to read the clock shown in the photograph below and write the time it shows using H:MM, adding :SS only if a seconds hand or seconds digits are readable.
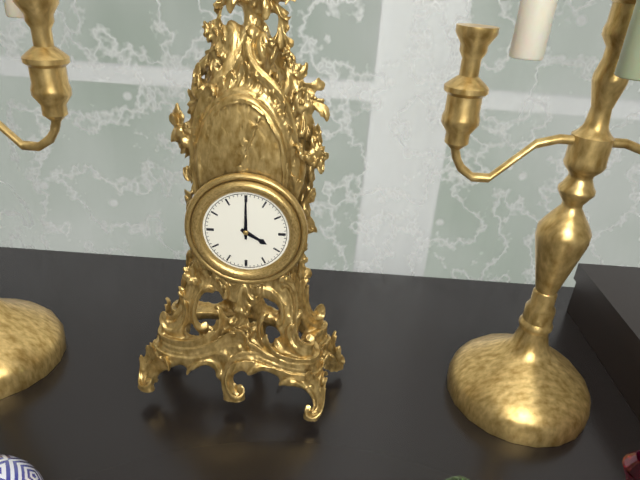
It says 4:00
